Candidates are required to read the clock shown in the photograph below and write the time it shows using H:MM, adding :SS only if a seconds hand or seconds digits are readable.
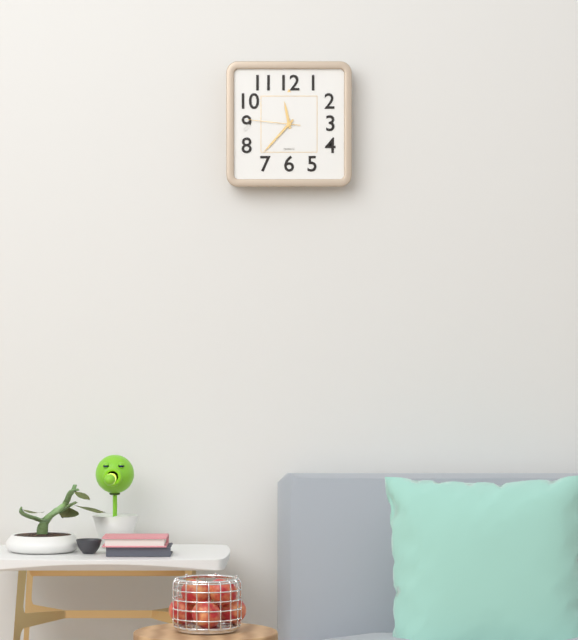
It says 11:37:46
